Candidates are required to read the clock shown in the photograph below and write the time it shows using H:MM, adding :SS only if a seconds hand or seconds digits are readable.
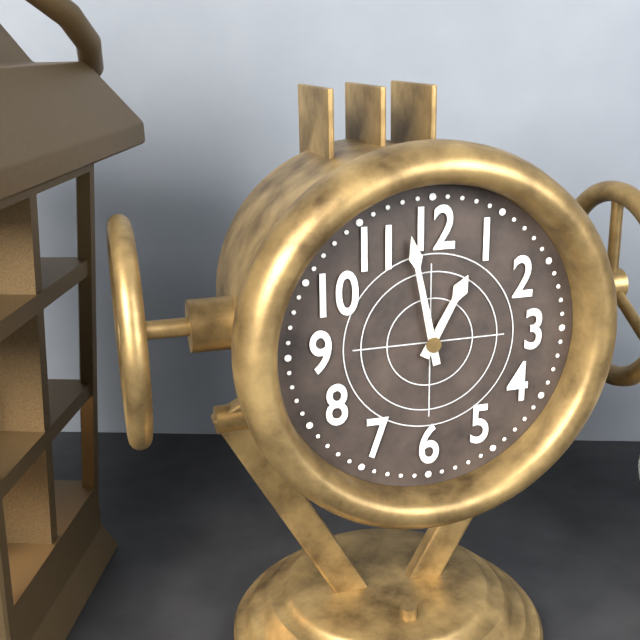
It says 12:58
